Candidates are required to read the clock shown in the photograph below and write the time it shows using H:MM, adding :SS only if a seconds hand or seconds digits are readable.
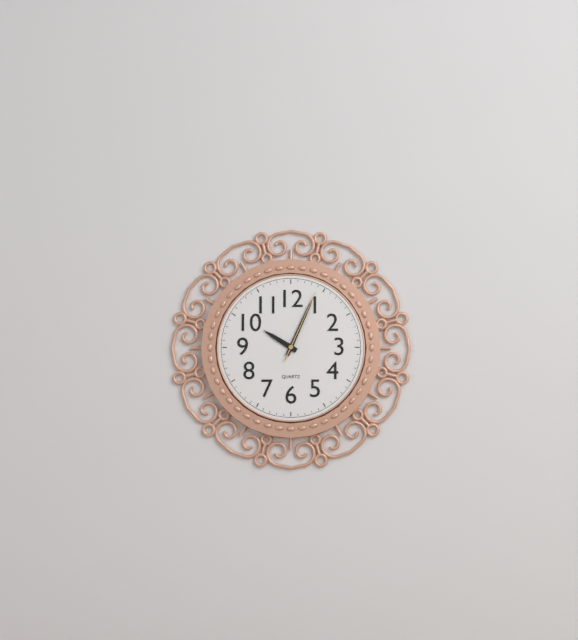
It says 10:04:04
